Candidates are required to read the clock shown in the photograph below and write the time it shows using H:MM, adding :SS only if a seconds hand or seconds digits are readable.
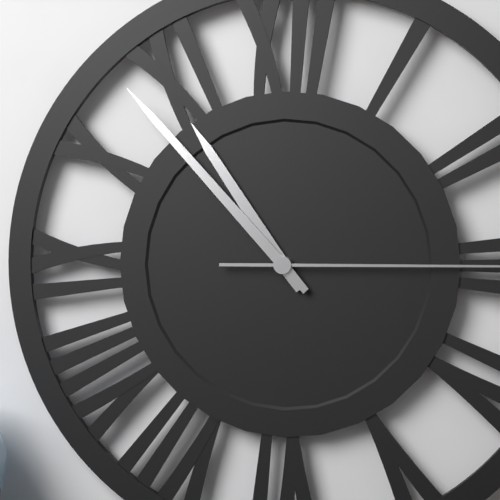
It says 10:53
